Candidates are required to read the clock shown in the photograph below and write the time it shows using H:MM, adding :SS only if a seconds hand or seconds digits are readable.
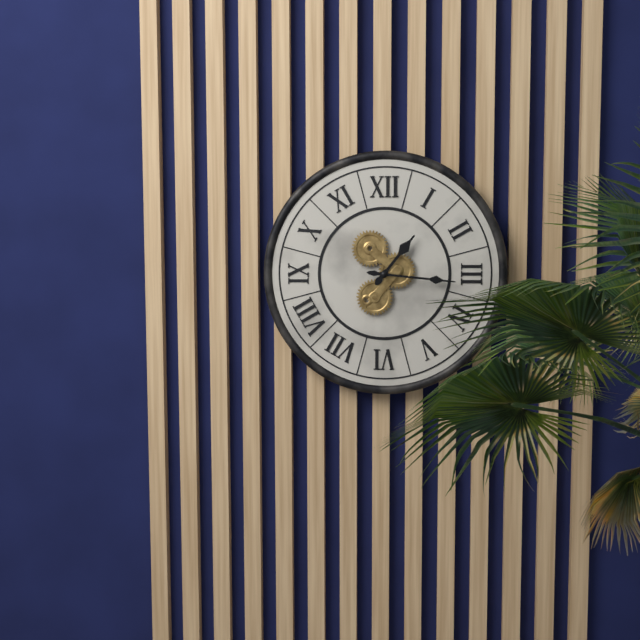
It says 1:16
